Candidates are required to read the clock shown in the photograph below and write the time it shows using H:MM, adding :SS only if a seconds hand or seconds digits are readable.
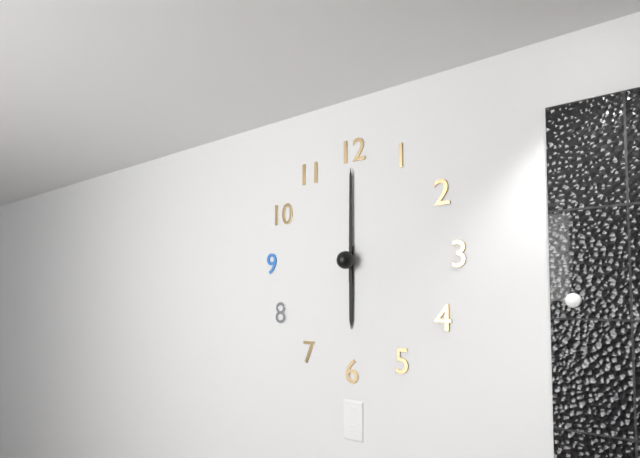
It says 6:00
